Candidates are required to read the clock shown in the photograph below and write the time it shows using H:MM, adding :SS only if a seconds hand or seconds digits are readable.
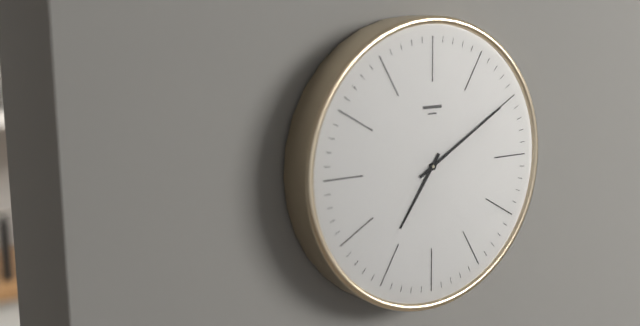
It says 7:10
